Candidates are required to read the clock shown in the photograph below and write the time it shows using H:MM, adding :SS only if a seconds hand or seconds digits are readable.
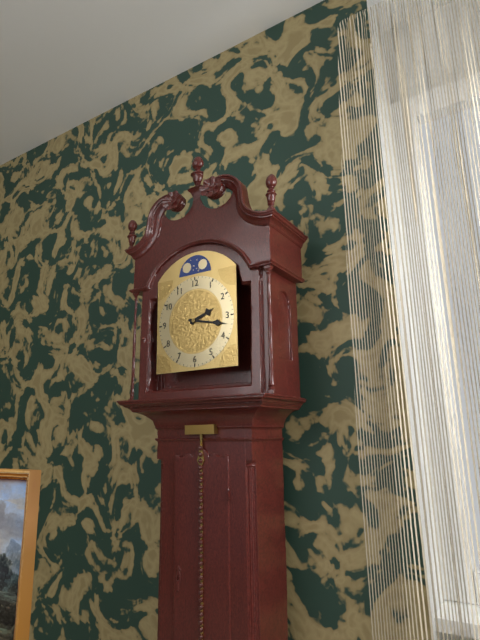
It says 2:17
